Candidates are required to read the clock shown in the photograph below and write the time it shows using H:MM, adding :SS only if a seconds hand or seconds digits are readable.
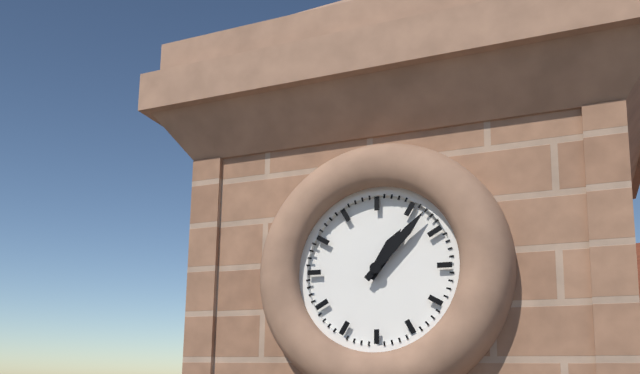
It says 1:07
